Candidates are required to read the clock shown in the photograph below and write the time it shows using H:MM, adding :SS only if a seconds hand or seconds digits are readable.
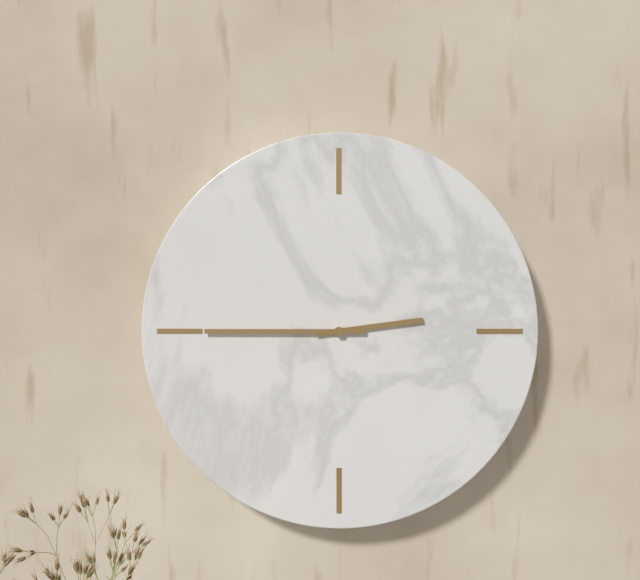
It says 2:45
